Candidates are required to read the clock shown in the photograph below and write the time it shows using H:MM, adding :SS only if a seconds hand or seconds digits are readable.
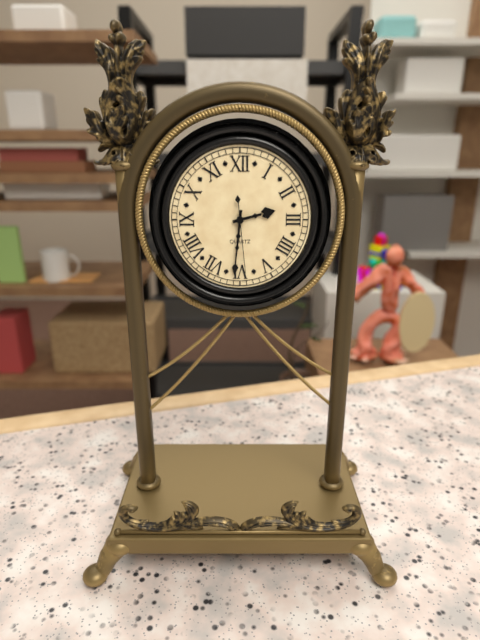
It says 2:31:29
